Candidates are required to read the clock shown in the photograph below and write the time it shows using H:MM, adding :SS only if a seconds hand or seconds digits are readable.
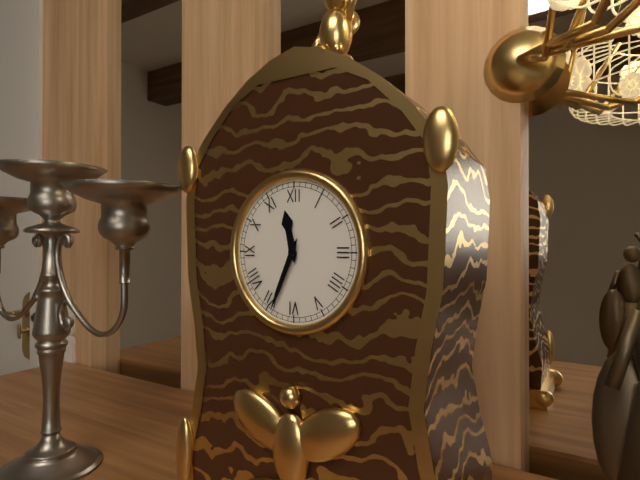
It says 11:34
